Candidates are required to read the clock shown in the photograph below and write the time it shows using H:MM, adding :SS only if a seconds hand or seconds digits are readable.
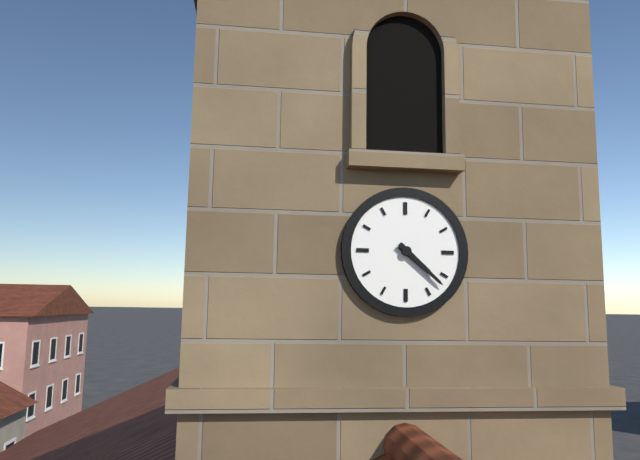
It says 4:22
